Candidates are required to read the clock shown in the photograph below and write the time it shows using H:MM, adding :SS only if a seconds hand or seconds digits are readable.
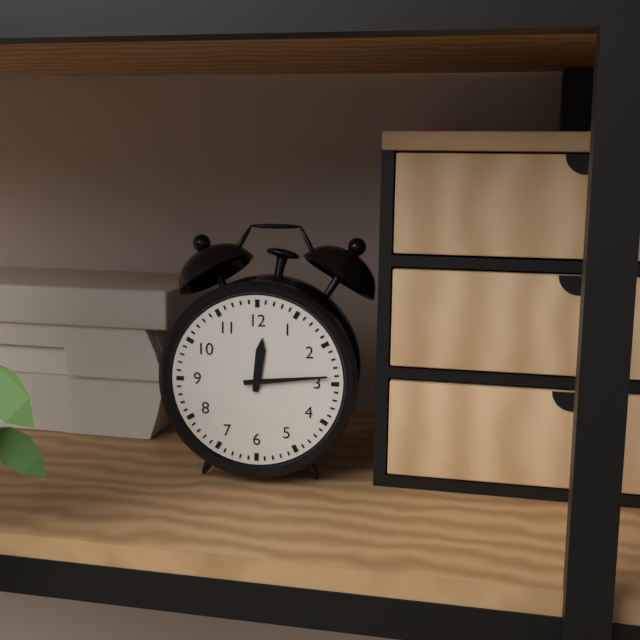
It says 12:14
